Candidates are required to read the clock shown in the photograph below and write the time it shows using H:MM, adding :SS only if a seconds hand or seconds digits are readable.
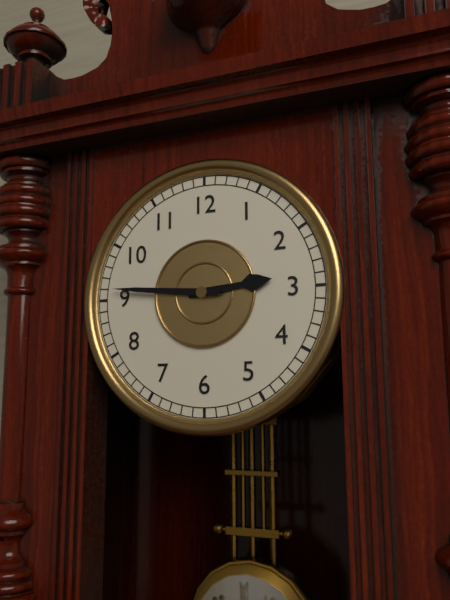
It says 2:46
